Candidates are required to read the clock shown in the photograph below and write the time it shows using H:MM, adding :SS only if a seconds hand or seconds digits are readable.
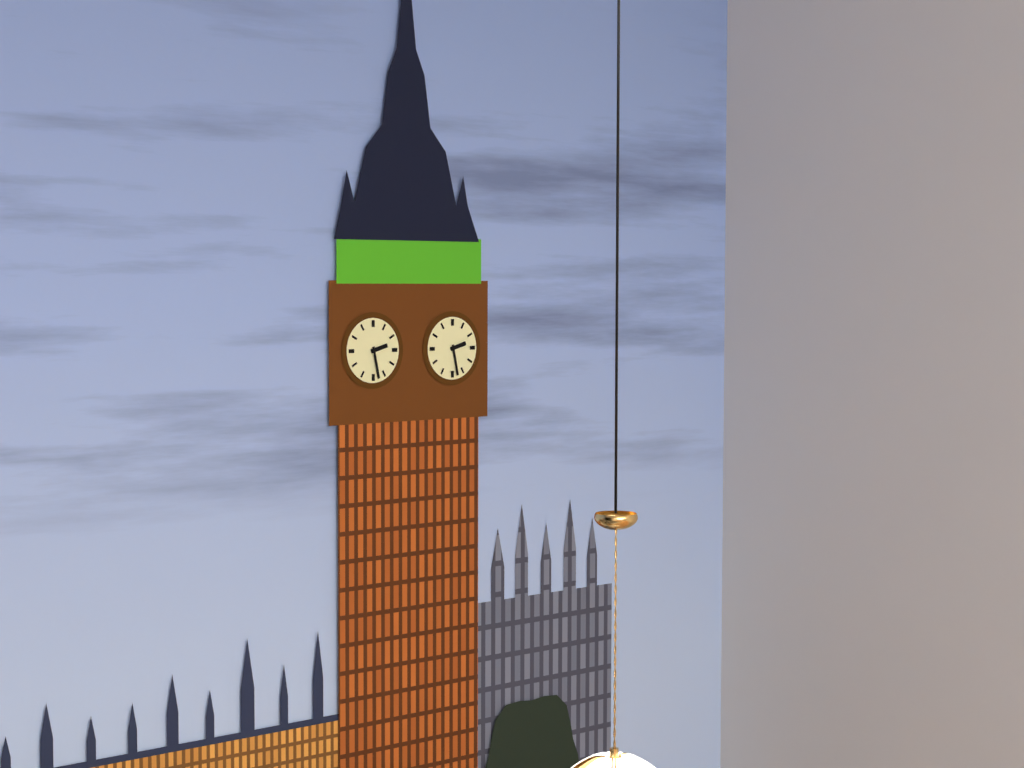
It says 2:28
